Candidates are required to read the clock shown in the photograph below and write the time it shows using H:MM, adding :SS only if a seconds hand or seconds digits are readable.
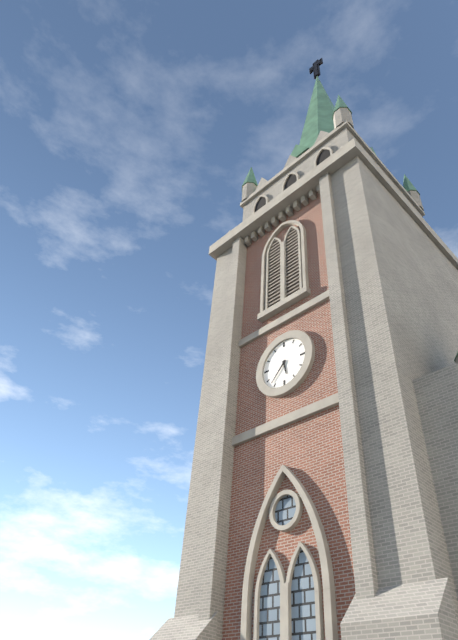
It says 5:37
